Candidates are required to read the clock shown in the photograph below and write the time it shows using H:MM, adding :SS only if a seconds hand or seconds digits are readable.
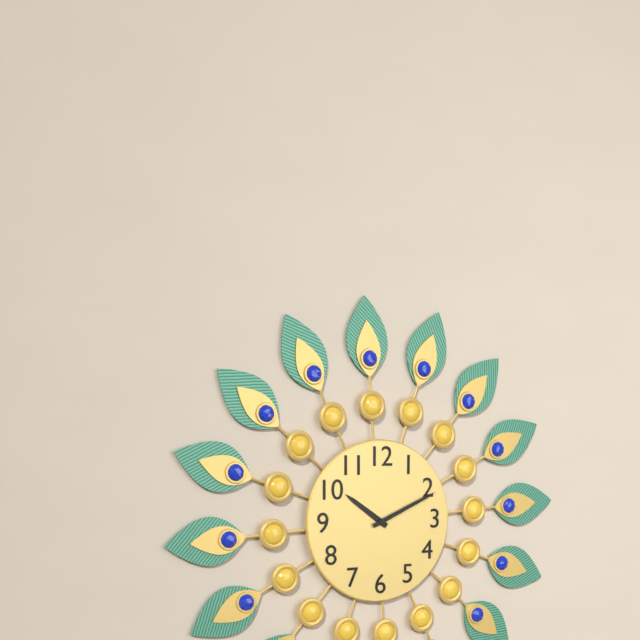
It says 10:11
